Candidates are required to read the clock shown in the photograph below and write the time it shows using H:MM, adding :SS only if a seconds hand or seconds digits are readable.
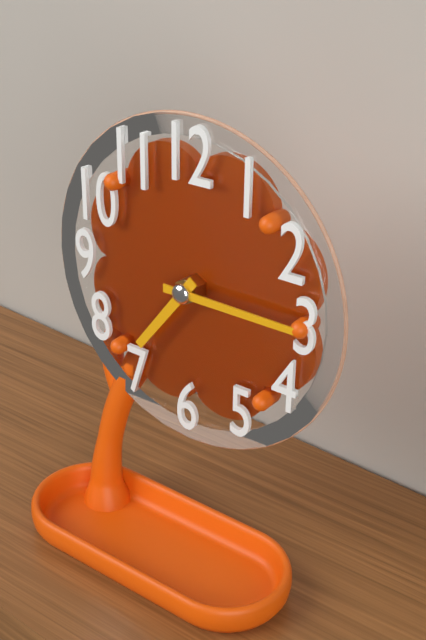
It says 7:15
